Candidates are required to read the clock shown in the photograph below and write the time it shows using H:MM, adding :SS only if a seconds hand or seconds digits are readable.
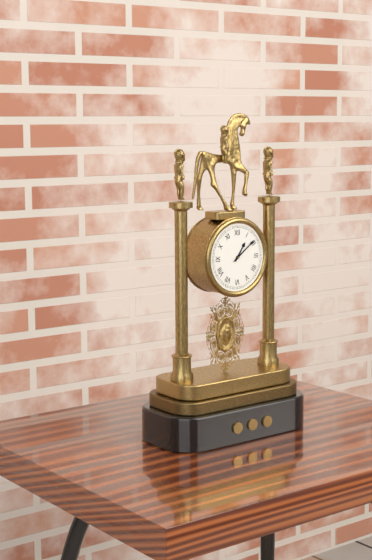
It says 1:09
